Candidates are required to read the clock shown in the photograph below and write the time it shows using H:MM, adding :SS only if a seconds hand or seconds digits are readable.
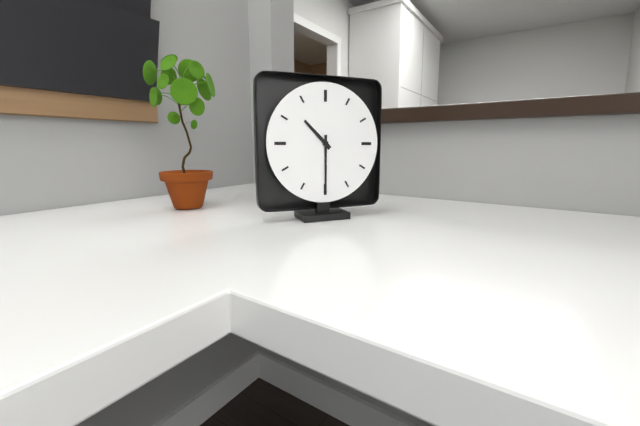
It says 10:30
